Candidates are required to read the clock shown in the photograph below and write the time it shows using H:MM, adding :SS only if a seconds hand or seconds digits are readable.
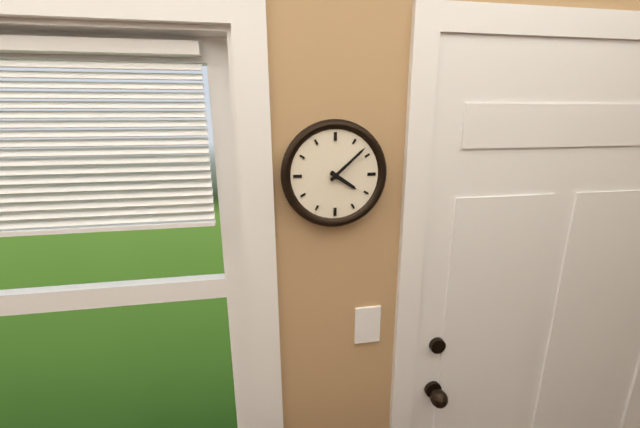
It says 4:08
